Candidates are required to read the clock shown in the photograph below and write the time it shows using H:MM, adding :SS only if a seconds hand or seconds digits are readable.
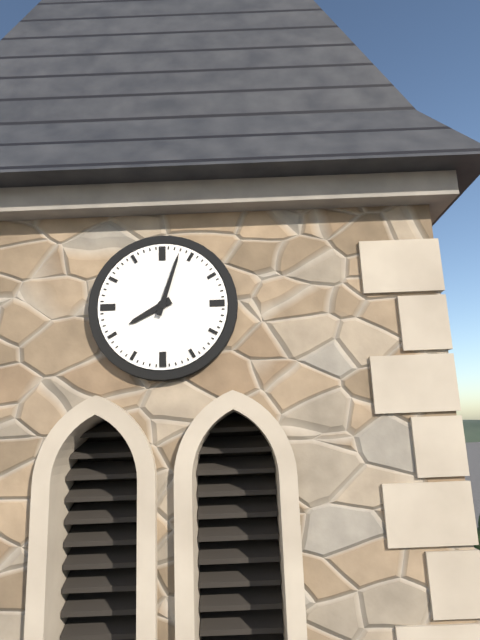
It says 8:03
